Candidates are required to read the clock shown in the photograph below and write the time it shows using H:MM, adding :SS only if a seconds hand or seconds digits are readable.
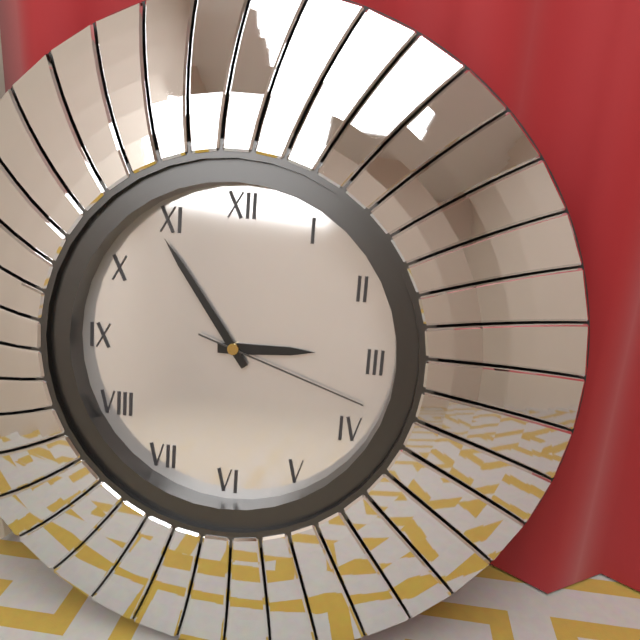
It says 2:54:18
